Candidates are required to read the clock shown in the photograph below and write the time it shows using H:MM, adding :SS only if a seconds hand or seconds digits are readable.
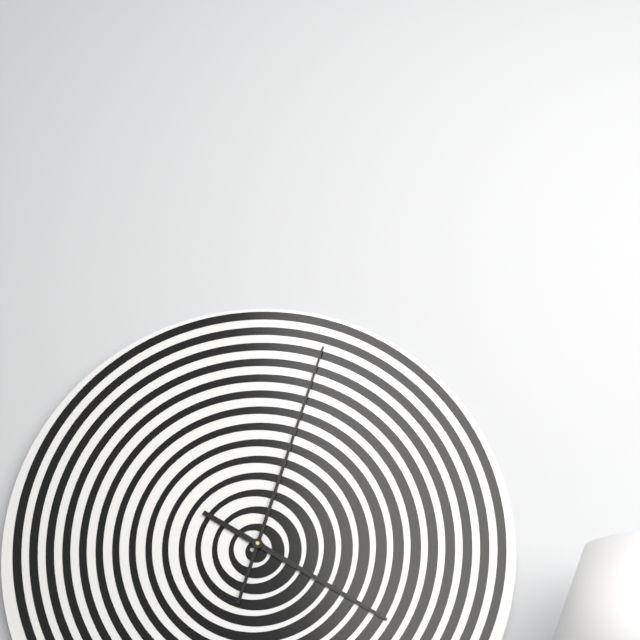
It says 4:03
